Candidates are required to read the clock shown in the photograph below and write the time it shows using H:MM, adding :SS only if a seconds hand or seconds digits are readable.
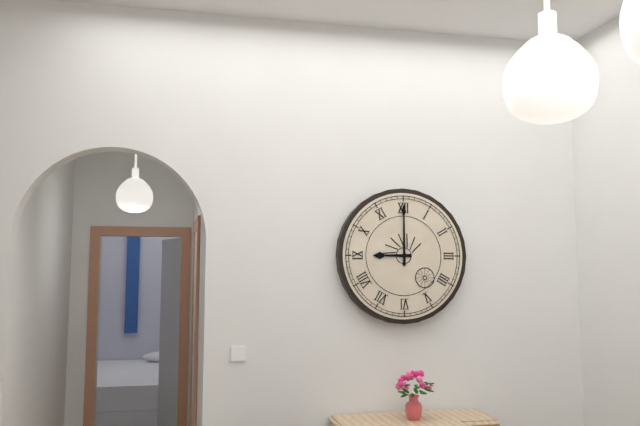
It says 9:00
